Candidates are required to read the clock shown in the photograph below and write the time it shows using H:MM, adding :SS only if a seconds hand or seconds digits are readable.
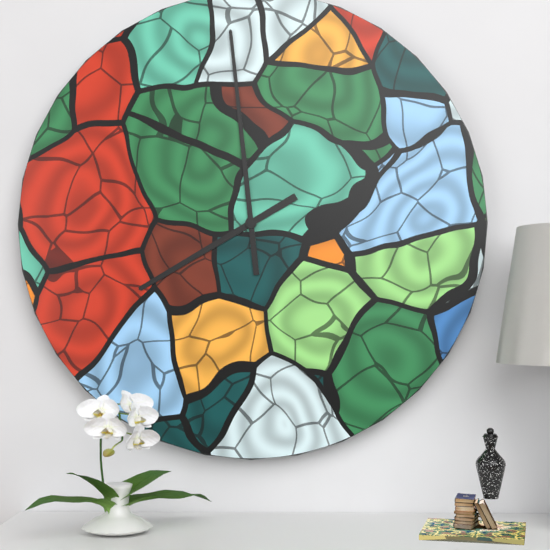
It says 7:59
